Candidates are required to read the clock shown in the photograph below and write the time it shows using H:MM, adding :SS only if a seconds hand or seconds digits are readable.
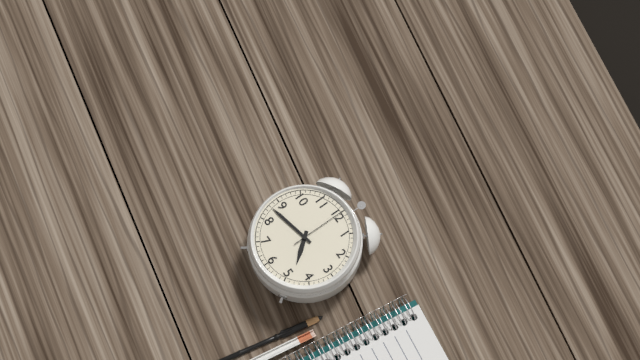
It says 4:43:00
